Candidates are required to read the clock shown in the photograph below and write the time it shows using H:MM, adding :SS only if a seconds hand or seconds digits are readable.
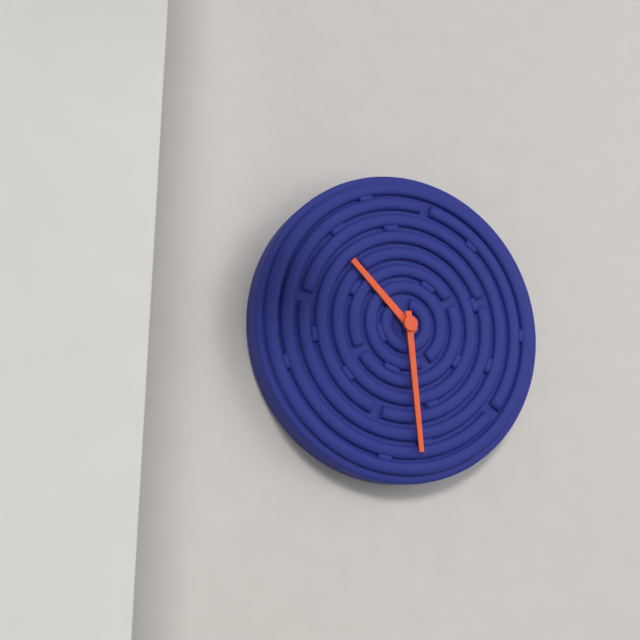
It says 10:29
